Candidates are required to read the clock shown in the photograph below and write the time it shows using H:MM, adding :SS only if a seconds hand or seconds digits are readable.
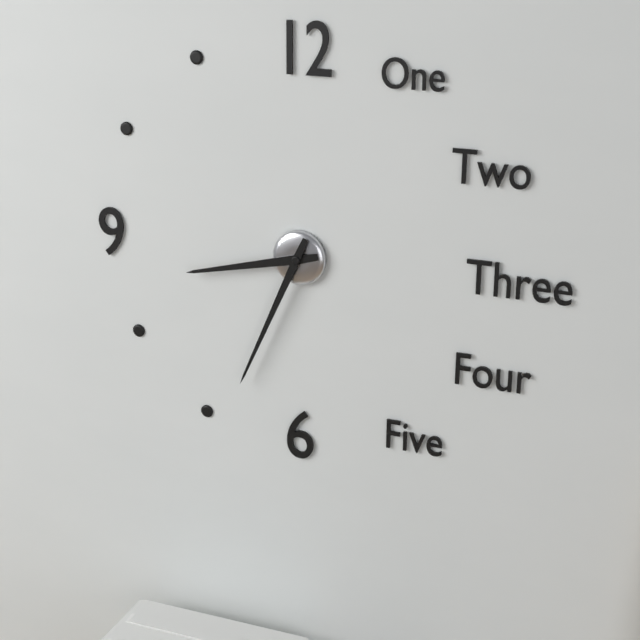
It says 8:34
